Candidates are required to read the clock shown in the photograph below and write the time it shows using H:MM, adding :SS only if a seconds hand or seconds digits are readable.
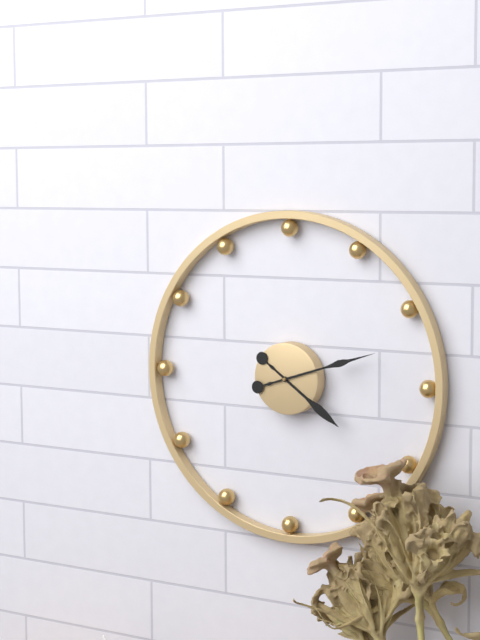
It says 4:12
